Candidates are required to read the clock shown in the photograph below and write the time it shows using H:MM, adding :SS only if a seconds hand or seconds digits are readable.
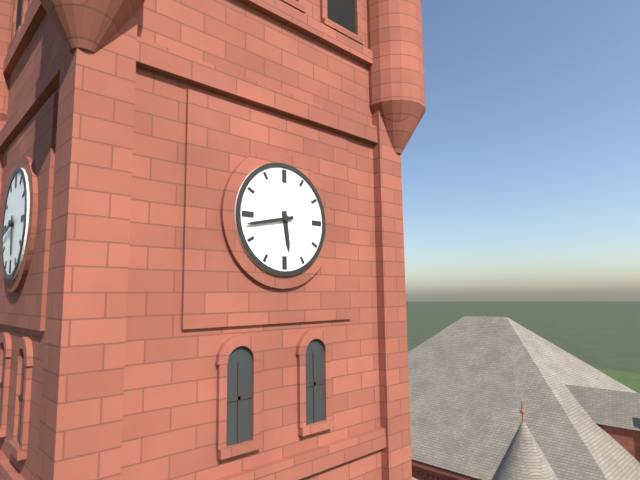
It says 5:43
